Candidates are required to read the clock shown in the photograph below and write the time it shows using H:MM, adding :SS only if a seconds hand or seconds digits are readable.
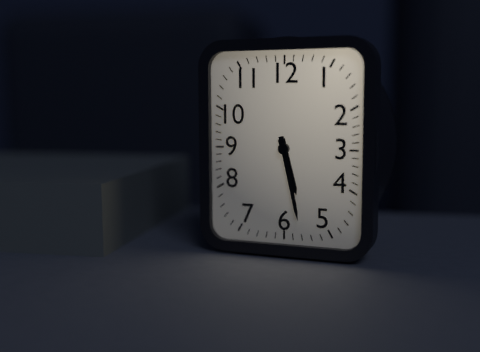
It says 5:28
